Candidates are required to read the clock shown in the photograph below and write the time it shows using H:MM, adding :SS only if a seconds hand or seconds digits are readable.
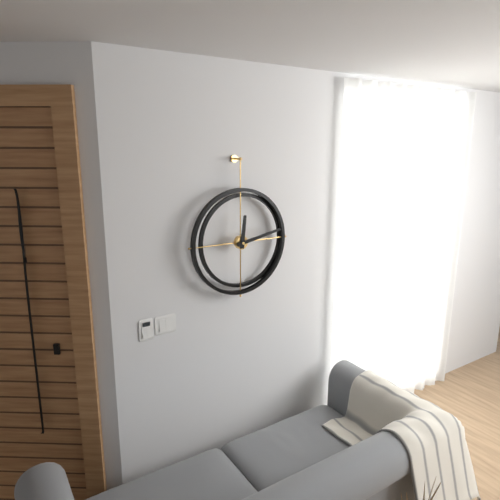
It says 12:13
